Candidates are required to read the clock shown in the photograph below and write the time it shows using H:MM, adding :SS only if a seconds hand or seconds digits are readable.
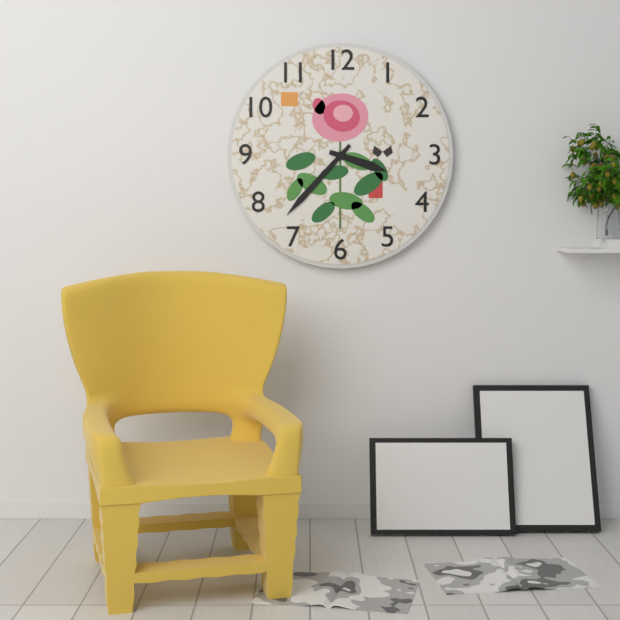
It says 3:37
